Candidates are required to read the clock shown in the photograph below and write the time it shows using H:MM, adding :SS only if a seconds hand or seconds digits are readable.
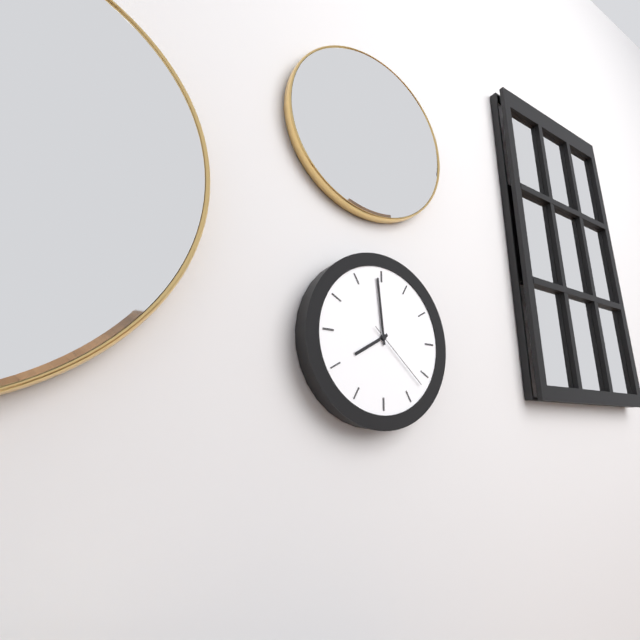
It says 7:59:22
